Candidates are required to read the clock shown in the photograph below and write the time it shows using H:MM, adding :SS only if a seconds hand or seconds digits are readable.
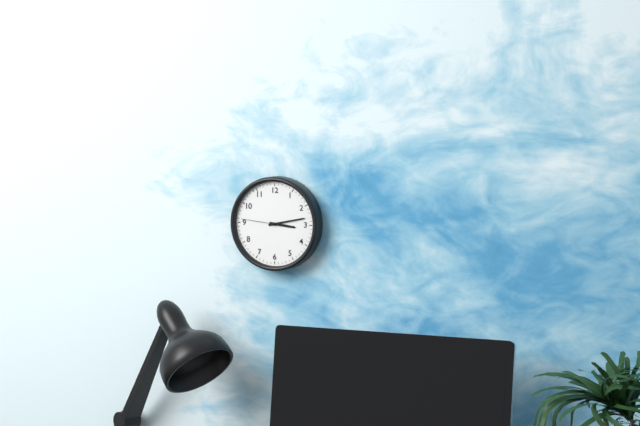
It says 3:13
